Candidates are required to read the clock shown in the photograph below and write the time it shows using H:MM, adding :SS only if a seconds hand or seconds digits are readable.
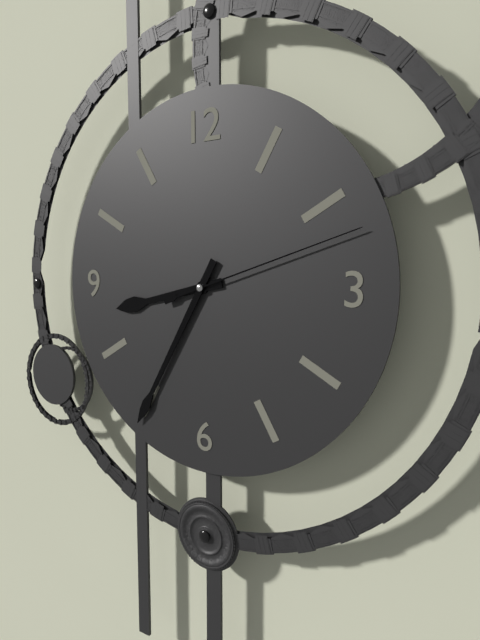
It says 8:35:12
